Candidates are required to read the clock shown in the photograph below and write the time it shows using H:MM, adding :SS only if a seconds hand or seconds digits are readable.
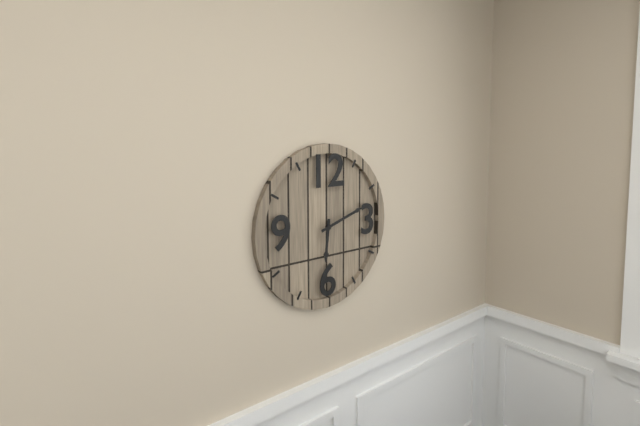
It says 6:12
